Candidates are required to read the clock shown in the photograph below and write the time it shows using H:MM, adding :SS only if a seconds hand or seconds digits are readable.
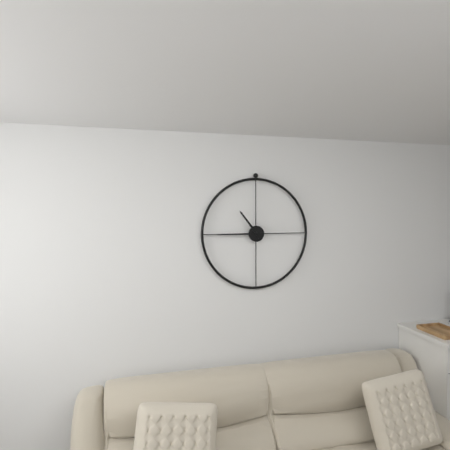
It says 10:45
